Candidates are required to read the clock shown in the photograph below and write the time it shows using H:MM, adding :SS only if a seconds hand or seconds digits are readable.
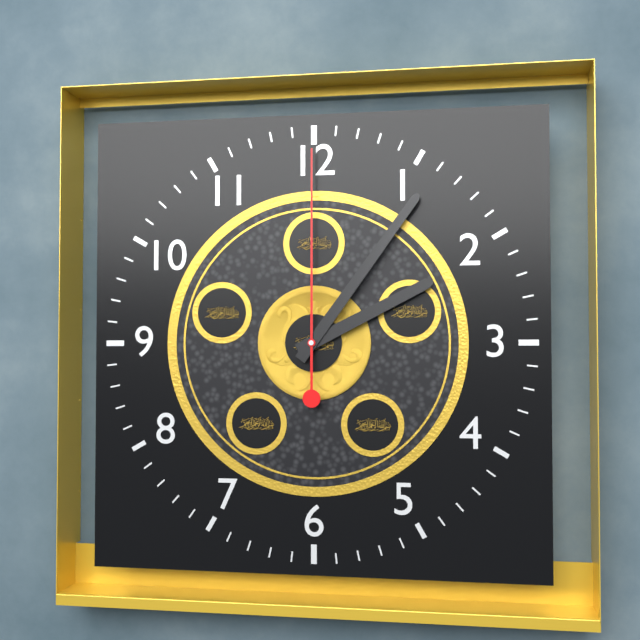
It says 2:06:00
